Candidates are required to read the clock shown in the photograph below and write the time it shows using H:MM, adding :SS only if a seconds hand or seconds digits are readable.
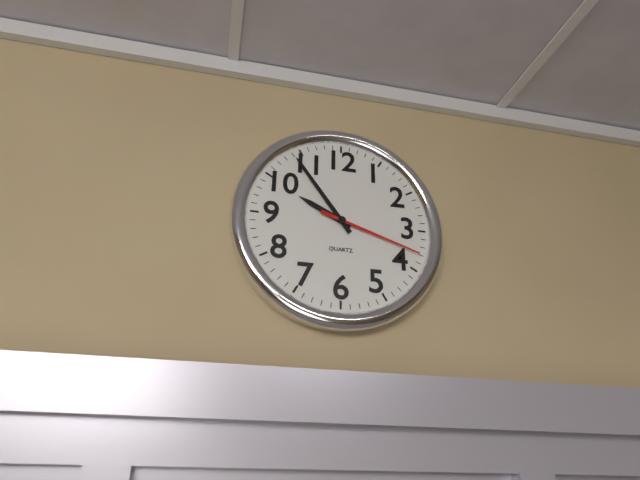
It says 9:54:18
